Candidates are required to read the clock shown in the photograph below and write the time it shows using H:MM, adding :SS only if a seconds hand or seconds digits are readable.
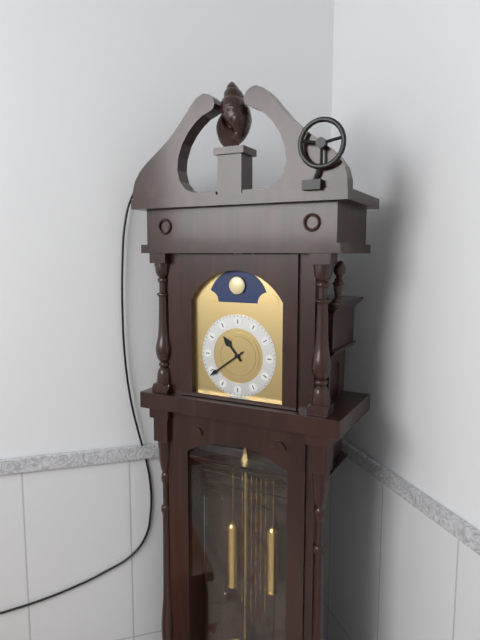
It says 10:39
